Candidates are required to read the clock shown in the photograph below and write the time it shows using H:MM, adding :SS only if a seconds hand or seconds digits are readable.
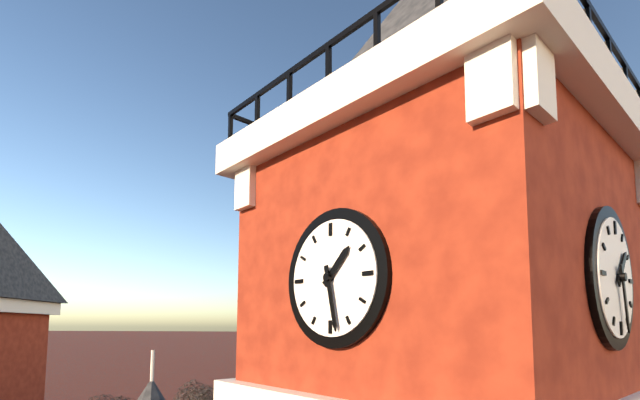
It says 1:28
